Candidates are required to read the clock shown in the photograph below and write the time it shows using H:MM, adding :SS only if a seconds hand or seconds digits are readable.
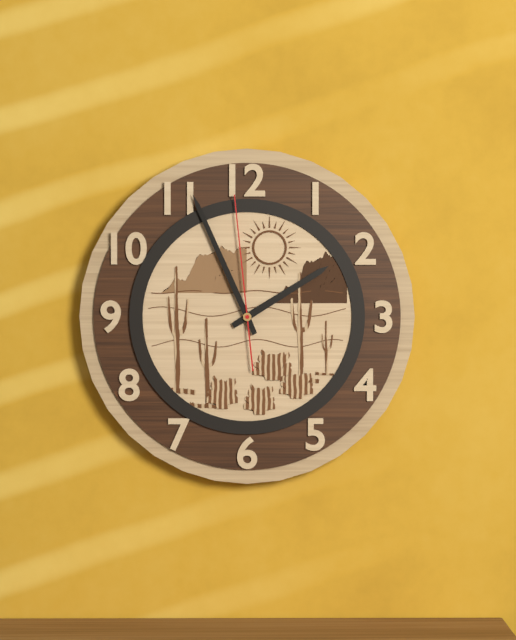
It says 1:56:59
